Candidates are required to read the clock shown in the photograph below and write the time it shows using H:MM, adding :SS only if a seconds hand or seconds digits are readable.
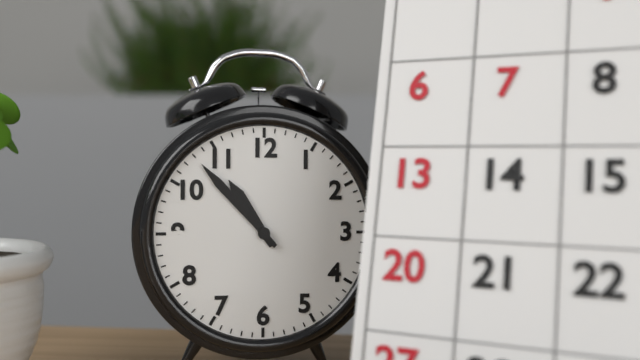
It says 10:53
